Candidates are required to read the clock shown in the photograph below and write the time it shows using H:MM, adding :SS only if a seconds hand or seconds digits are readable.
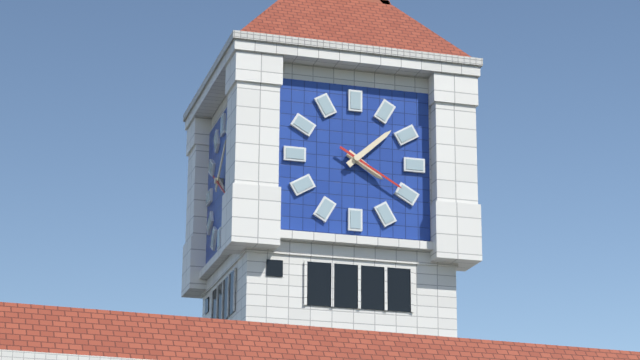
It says 4:08:20
